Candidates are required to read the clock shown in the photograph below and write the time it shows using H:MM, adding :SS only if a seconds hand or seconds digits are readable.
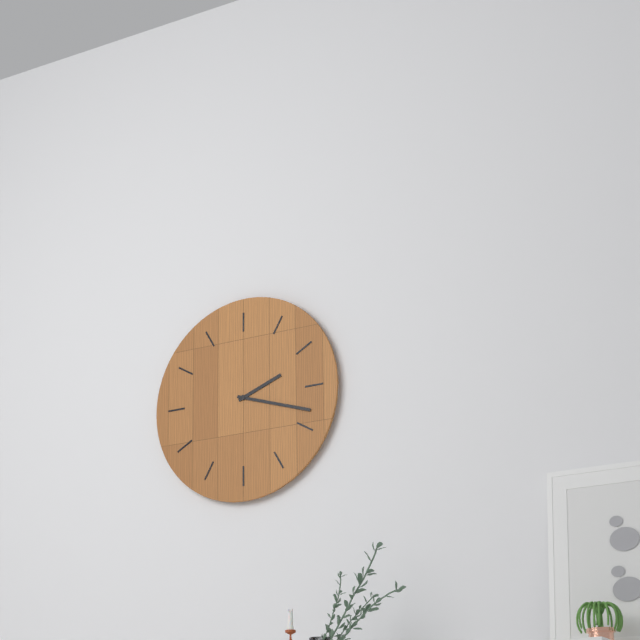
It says 2:18
